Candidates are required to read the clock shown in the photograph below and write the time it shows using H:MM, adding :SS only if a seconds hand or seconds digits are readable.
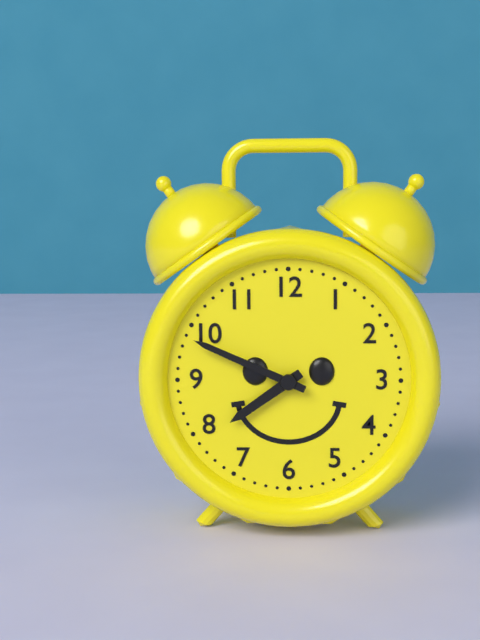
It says 7:49
